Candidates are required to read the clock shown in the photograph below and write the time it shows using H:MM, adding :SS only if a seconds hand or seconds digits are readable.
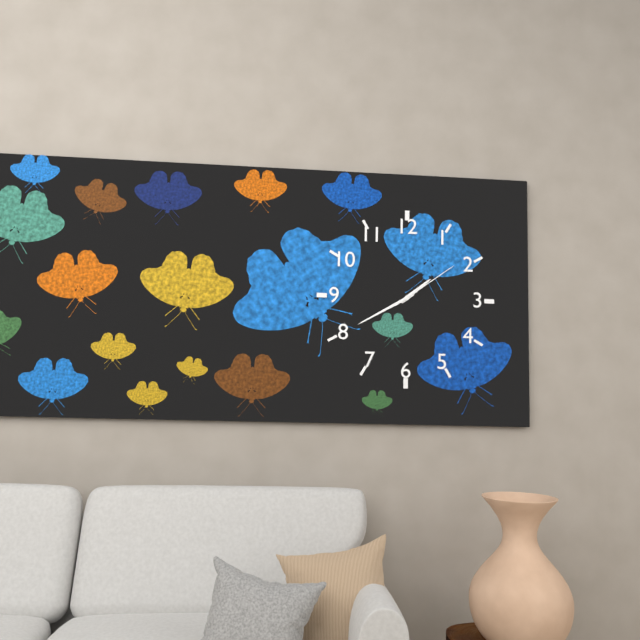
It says 1:40:09
